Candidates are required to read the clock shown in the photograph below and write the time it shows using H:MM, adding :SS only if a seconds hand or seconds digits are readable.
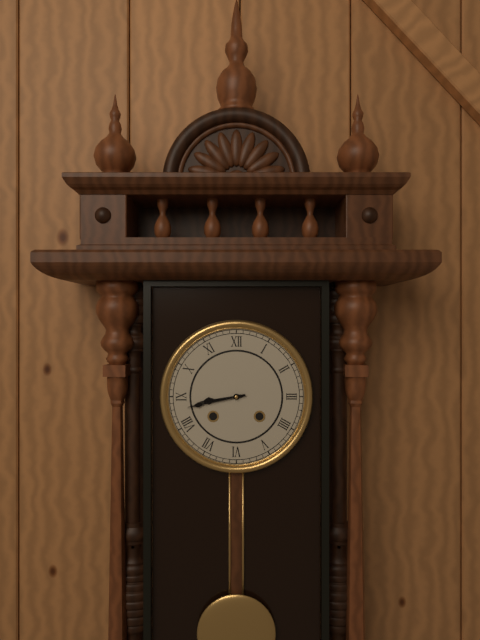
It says 8:43
